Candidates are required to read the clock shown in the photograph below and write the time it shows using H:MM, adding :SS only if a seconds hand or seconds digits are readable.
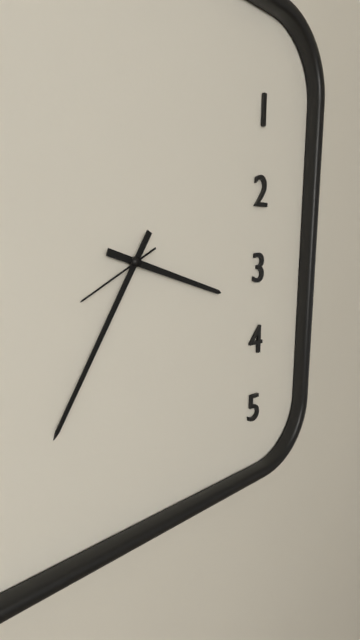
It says 3:35:40
